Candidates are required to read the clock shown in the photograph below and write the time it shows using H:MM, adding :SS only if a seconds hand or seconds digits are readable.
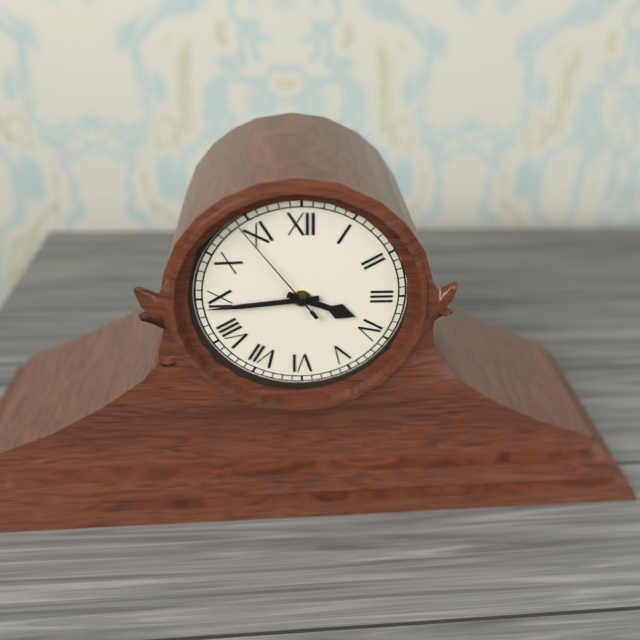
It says 3:44:54
